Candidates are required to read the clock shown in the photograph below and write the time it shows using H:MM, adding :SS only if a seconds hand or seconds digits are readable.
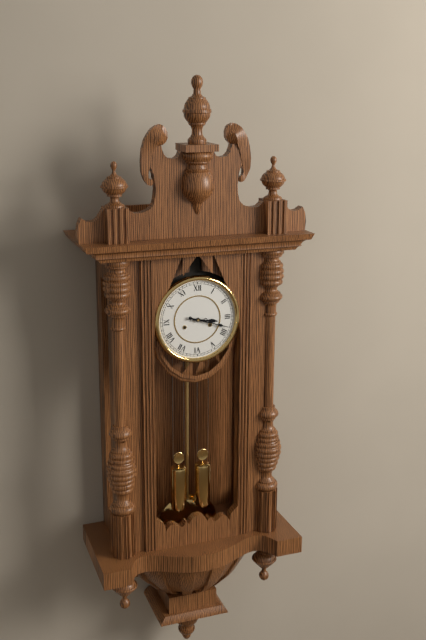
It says 3:18
